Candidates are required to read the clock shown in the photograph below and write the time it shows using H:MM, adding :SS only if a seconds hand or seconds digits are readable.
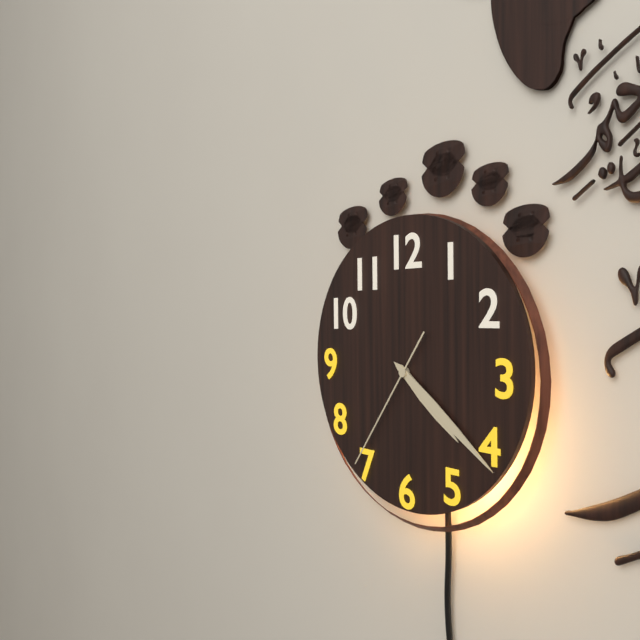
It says 4:21:36
